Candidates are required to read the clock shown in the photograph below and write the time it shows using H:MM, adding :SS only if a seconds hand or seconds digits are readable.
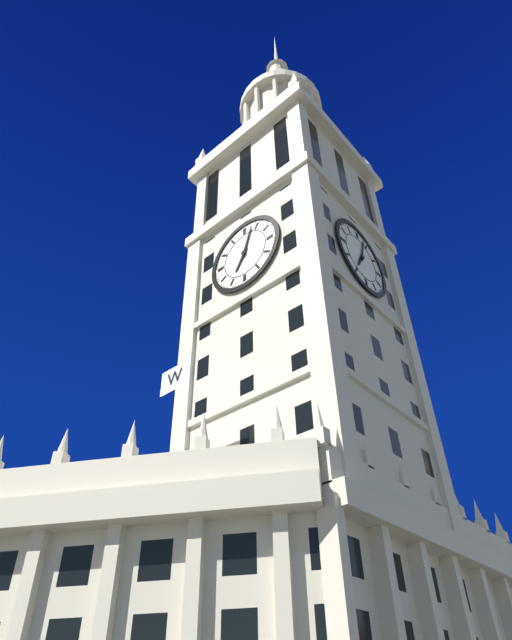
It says 7:03
